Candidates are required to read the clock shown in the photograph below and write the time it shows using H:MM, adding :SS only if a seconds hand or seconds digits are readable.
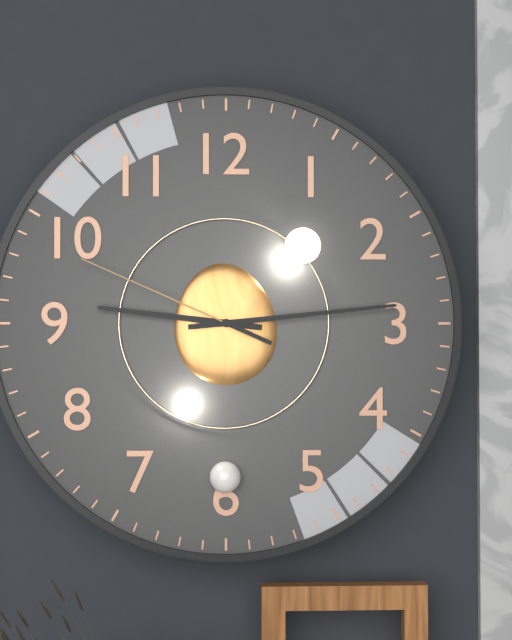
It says 9:14:49
